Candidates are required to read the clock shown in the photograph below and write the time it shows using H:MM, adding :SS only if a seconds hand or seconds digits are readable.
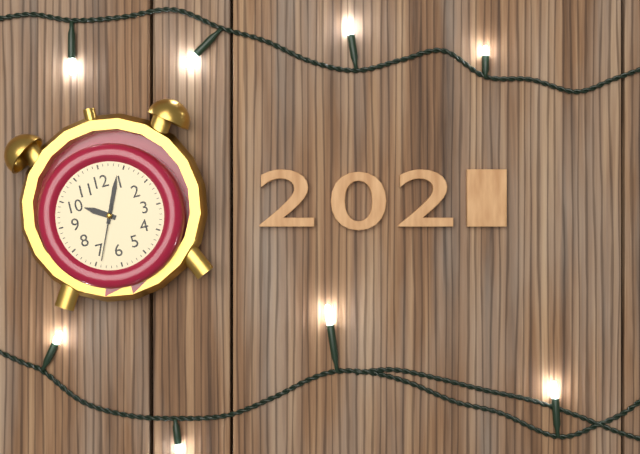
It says 10:04:34
